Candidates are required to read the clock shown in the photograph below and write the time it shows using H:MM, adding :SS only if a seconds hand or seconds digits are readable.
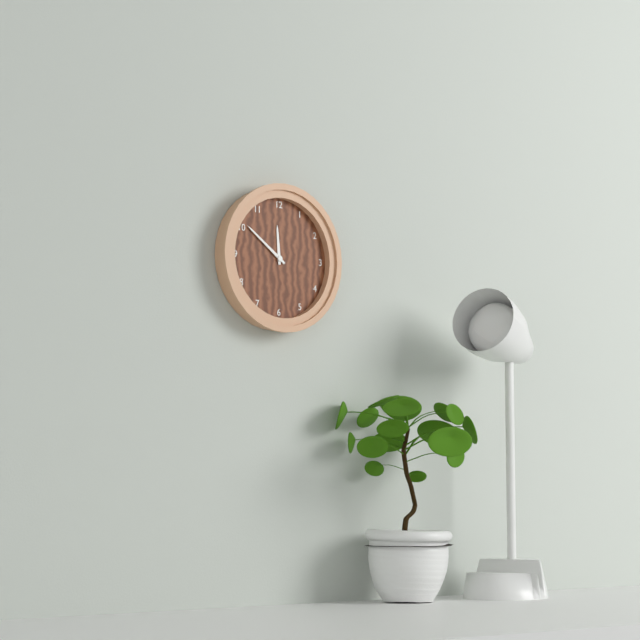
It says 11:51
